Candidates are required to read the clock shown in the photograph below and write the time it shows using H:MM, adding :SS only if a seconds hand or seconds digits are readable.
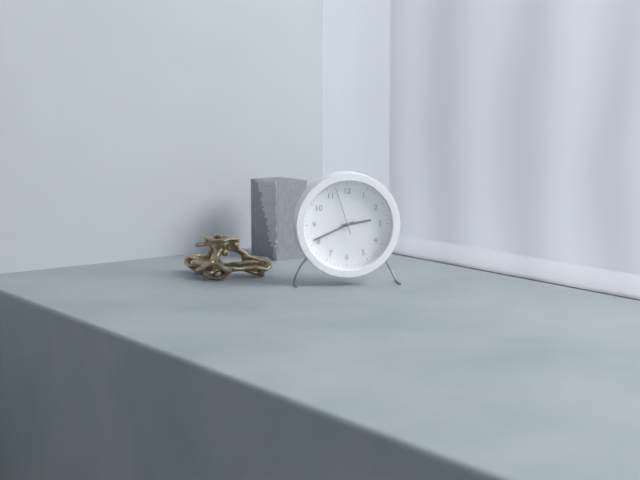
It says 2:41
